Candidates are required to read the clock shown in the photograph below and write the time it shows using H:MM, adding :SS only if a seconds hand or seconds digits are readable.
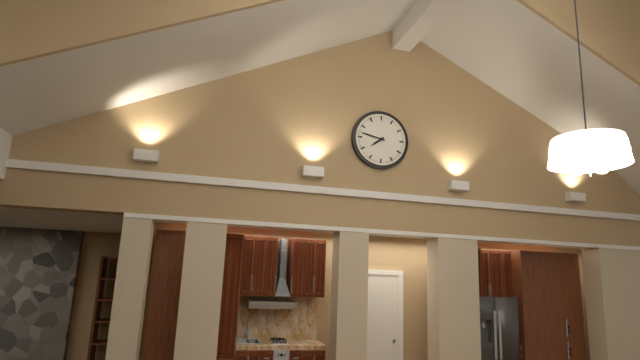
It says 7:47
